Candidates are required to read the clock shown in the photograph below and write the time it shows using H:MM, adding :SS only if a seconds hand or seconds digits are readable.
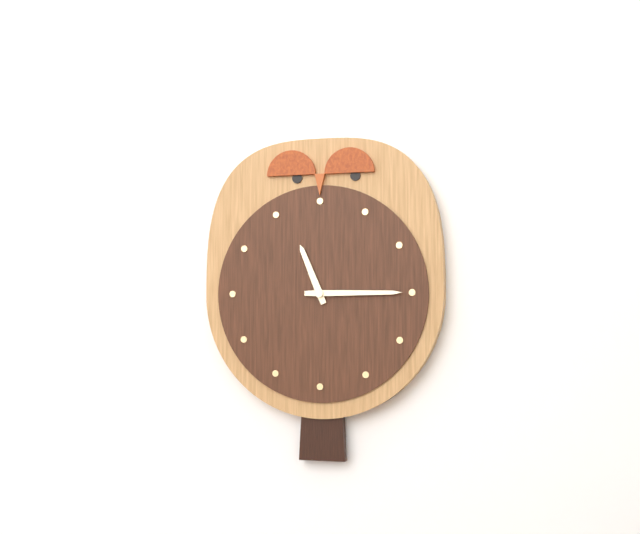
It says 11:15
